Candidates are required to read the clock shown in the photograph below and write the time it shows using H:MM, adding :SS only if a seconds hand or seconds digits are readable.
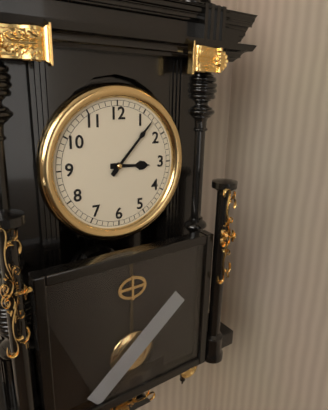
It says 3:07
